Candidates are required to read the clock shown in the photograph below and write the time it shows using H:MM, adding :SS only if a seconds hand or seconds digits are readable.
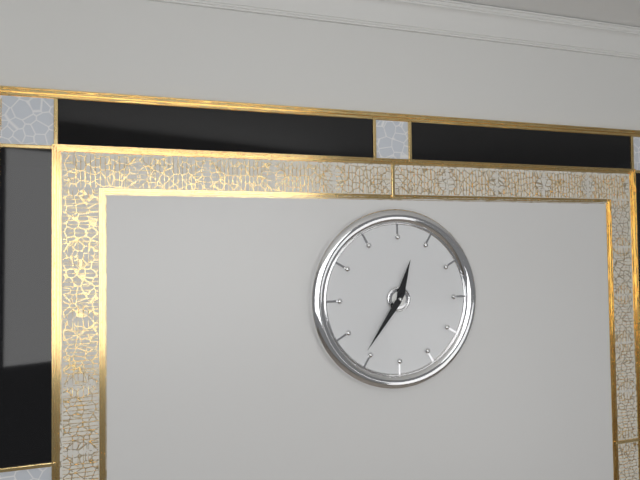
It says 12:36
